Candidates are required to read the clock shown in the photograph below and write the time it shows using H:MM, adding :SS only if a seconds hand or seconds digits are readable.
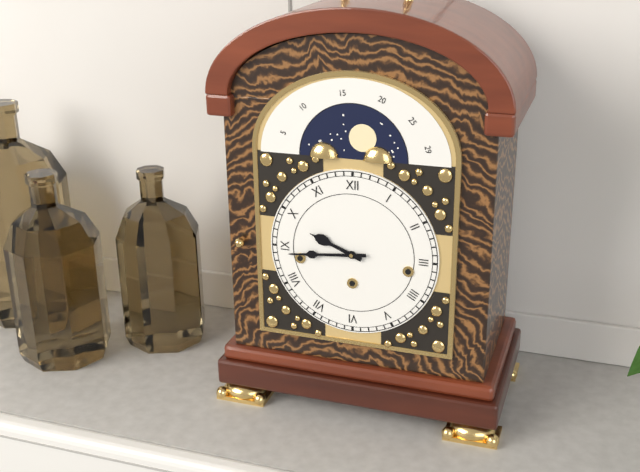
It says 9:44
